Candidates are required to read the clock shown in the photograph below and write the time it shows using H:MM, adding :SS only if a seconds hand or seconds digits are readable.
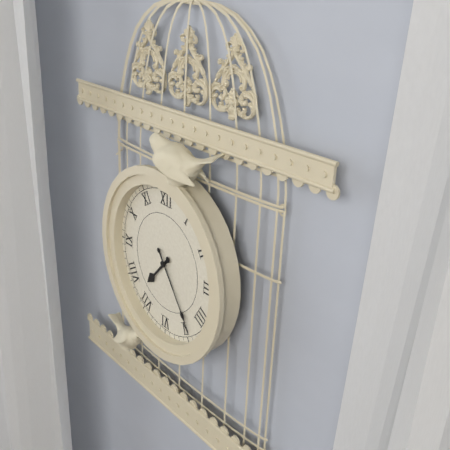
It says 7:24
